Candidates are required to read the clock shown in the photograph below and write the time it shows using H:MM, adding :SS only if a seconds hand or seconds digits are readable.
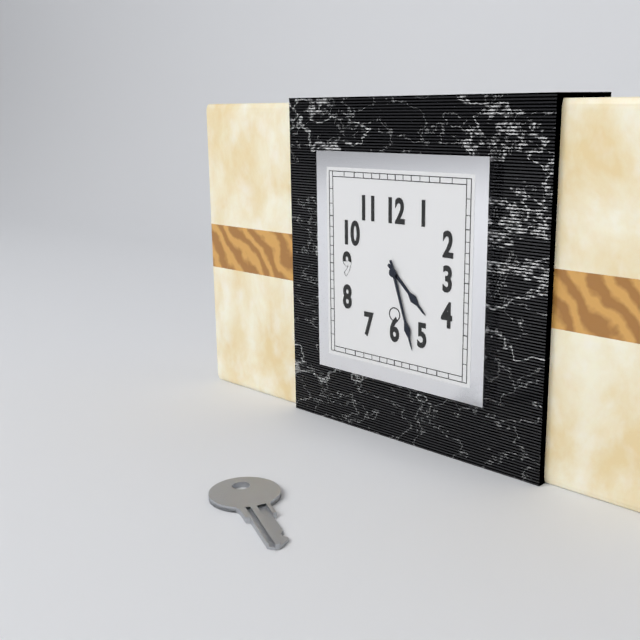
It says 4:27
